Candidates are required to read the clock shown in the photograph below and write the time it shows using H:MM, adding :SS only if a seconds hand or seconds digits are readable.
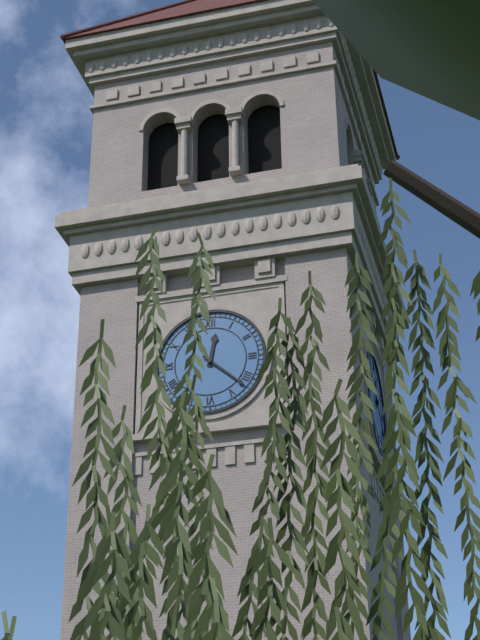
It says 12:22
